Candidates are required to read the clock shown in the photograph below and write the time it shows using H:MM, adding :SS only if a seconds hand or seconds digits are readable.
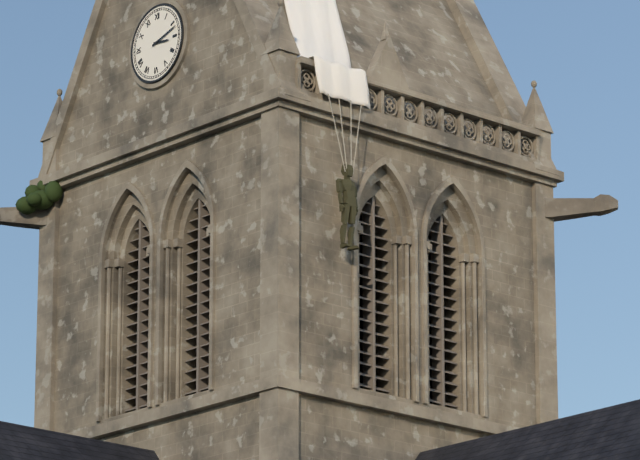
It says 3:12
